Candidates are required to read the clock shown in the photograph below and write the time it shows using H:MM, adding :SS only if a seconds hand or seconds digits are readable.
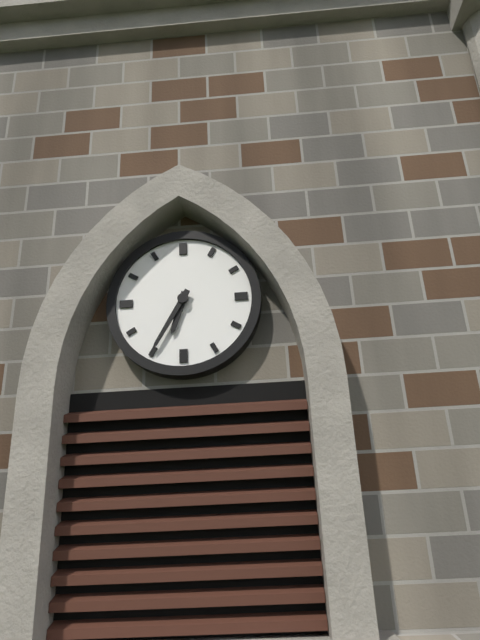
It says 6:35
